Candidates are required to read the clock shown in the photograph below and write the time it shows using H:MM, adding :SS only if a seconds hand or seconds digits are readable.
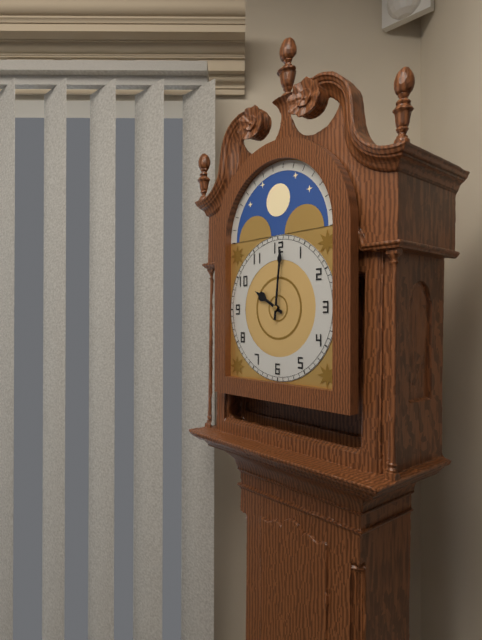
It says 10:01
